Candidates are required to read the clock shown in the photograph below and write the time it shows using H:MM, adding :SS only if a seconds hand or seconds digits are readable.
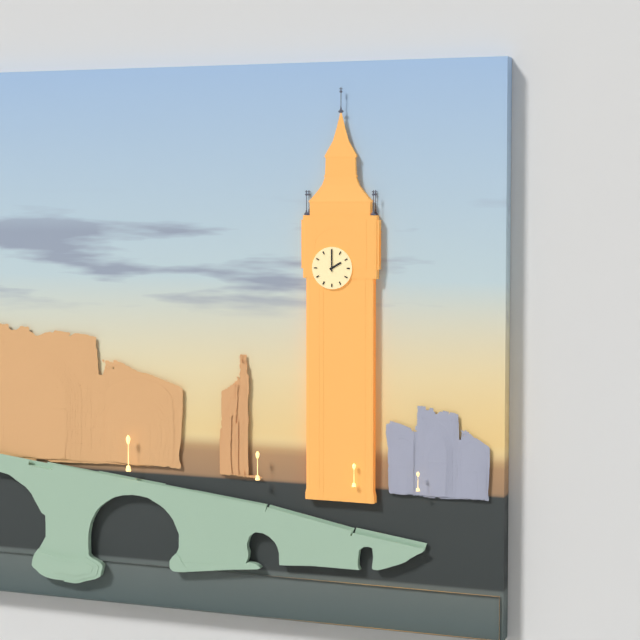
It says 2:00
